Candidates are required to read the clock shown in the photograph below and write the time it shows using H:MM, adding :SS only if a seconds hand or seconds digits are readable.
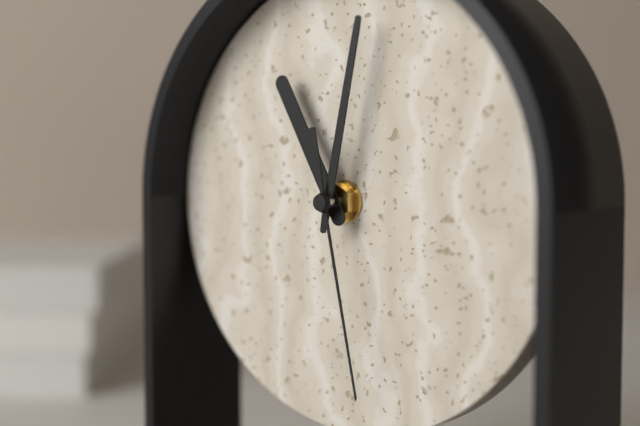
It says 11:02:28
